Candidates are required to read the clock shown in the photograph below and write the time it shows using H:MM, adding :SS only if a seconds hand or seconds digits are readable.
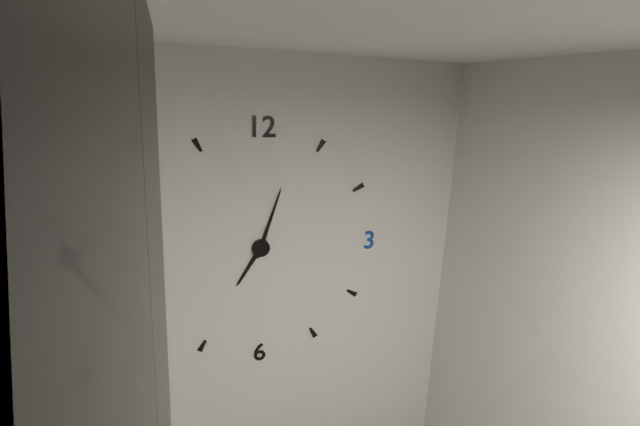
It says 7:03
